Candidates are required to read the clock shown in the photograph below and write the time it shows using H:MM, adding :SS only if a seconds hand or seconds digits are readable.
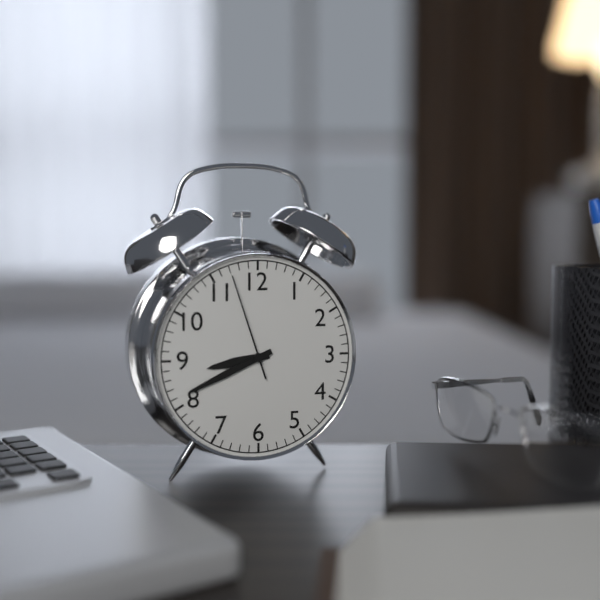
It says 8:41:57
